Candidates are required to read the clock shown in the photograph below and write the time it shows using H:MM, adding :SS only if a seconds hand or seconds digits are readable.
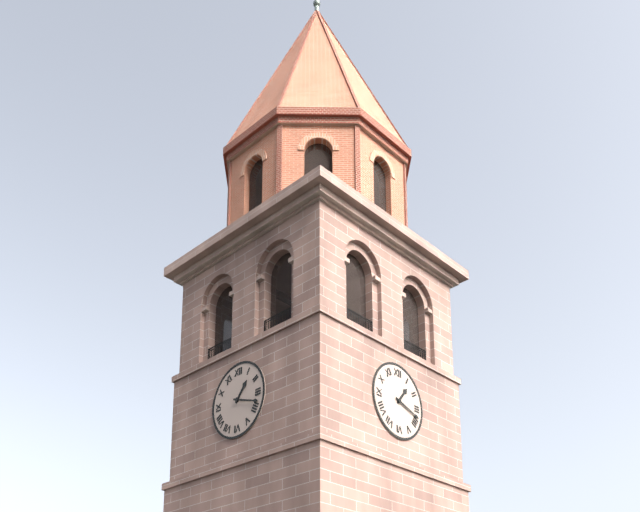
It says 1:18
